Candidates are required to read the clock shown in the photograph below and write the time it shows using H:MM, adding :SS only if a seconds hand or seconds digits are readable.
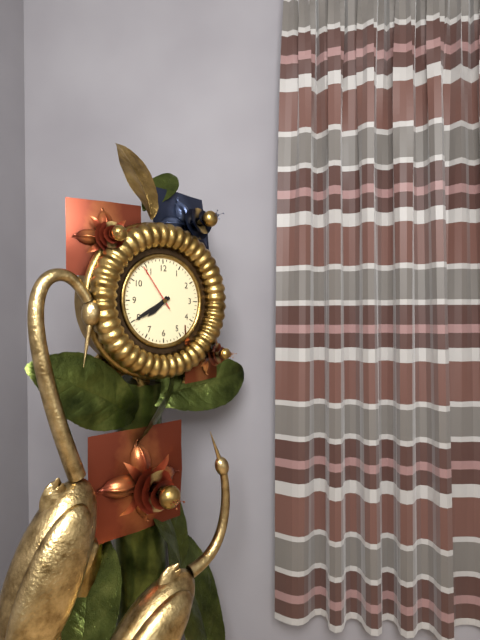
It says 7:40
